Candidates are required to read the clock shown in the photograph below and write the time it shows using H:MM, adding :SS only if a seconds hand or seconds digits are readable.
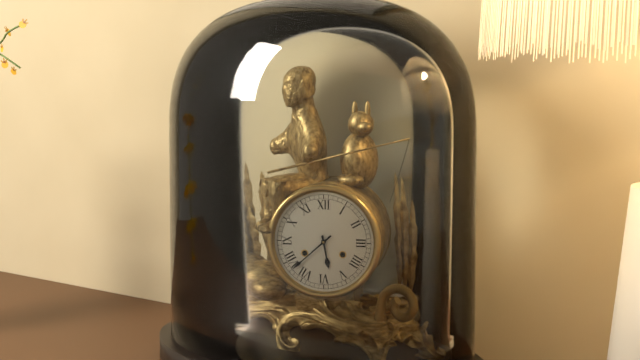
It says 5:38
